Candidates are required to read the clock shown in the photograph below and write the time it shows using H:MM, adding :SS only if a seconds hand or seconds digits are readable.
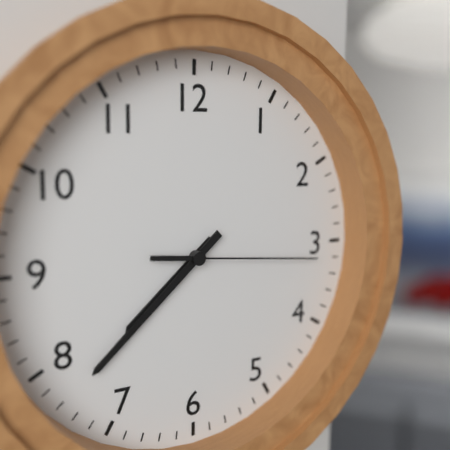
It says 7:38:16
